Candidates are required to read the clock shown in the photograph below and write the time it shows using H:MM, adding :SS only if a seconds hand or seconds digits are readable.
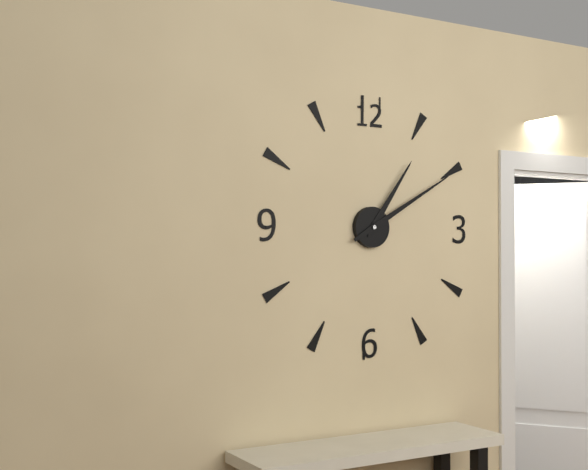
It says 1:10
